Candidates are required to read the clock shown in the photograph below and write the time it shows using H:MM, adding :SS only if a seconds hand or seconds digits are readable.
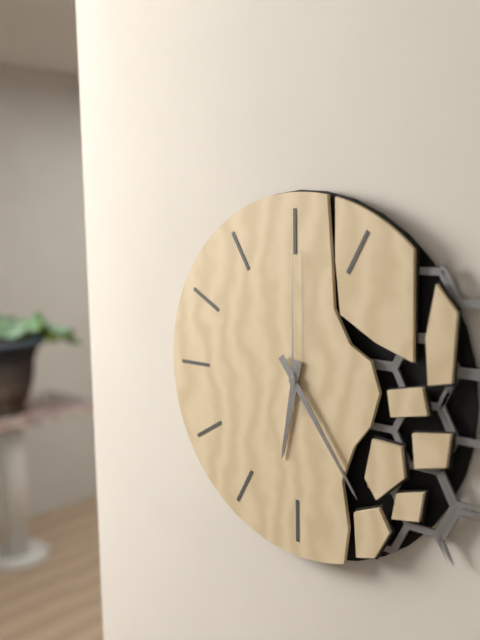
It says 6:24:00
